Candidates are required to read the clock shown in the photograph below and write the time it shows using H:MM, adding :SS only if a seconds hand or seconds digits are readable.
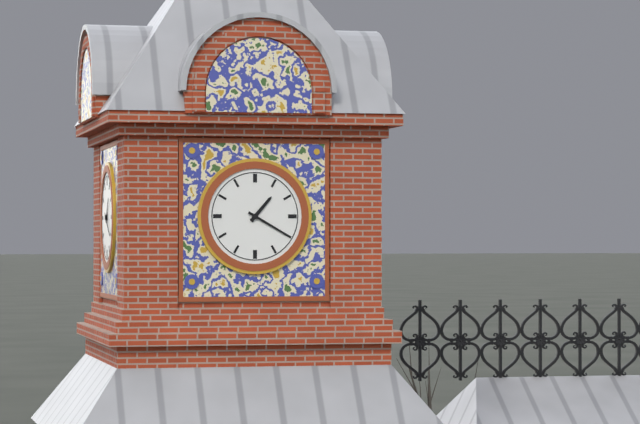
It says 1:20
